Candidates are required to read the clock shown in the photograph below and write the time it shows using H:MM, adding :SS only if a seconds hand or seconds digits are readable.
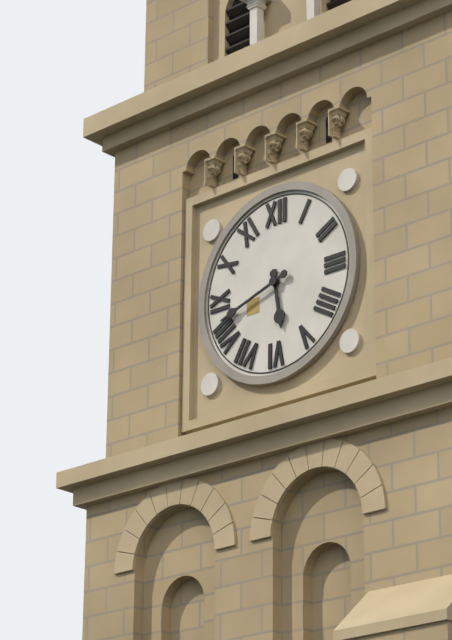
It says 5:42
